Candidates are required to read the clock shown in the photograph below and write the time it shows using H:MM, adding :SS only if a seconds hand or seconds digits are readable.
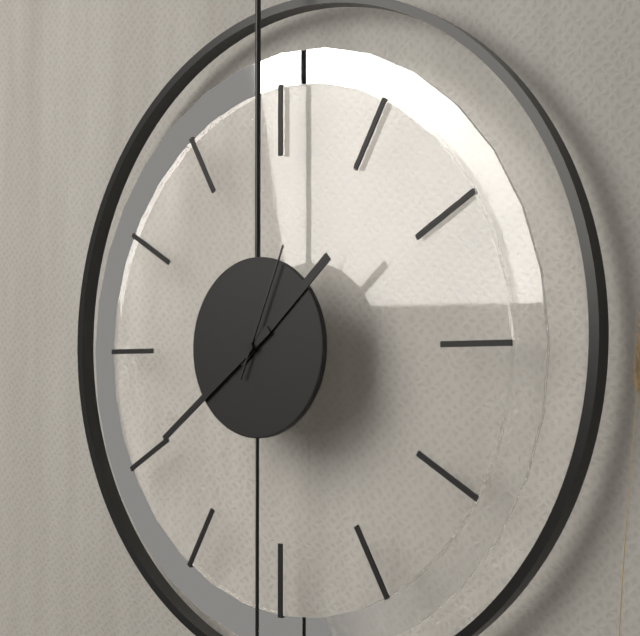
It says 1:39:04
